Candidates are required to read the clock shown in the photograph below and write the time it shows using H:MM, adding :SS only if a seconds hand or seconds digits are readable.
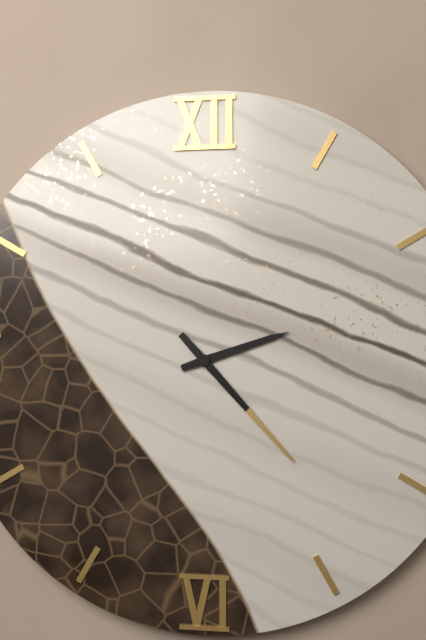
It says 2:23
